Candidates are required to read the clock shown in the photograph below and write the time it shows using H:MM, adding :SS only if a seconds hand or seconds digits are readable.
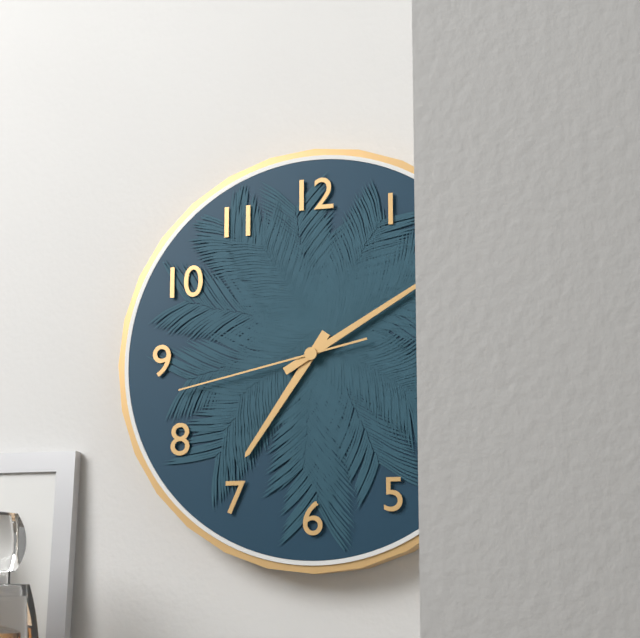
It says 7:10:43
